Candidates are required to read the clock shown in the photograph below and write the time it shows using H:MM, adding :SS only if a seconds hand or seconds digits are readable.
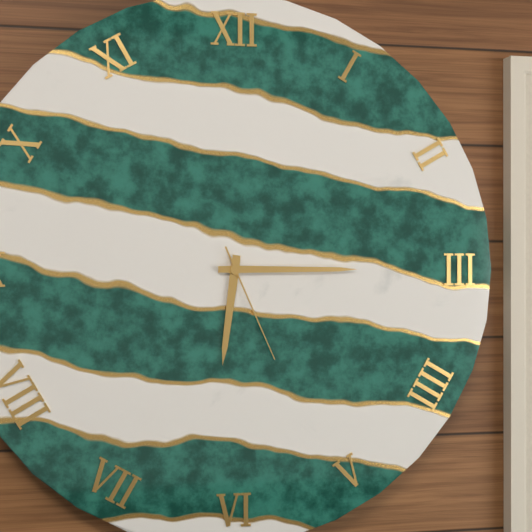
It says 6:15:26
